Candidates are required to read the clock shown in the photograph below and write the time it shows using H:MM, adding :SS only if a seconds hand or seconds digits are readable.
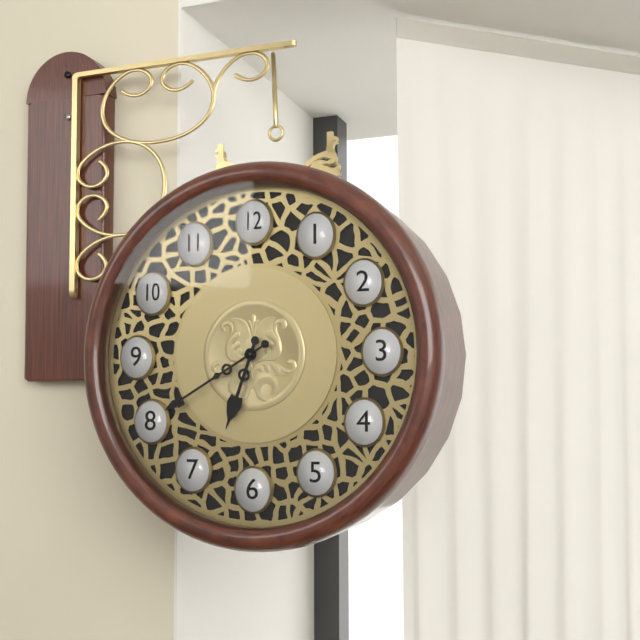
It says 6:40
